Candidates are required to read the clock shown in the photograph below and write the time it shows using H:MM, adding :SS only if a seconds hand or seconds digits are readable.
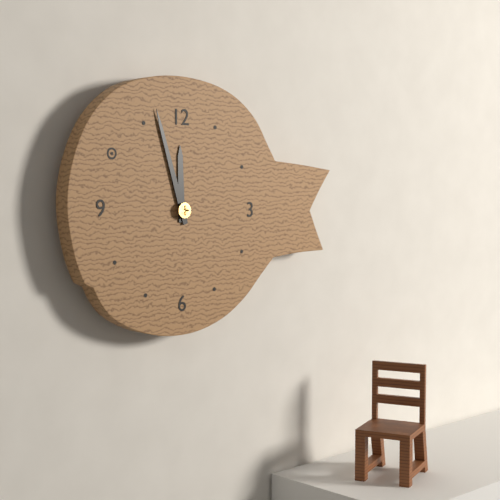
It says 11:57
